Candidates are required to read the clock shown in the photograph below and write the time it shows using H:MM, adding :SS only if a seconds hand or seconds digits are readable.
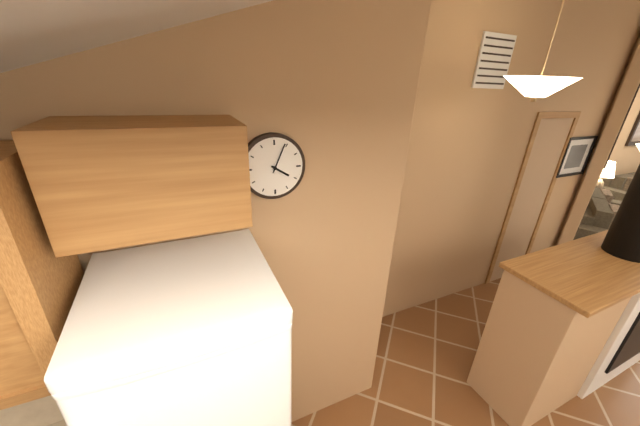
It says 4:04
